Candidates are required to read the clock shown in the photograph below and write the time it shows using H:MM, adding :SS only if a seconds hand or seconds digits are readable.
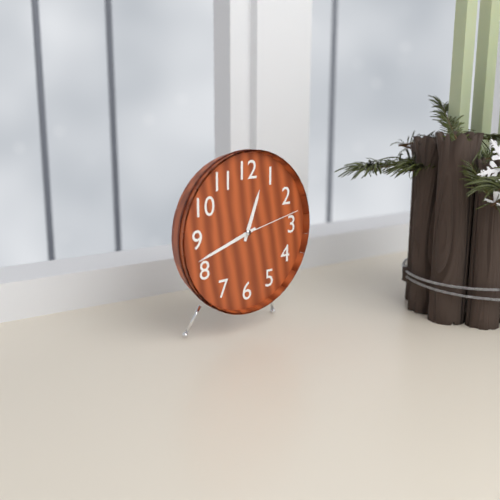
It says 12:42:13
